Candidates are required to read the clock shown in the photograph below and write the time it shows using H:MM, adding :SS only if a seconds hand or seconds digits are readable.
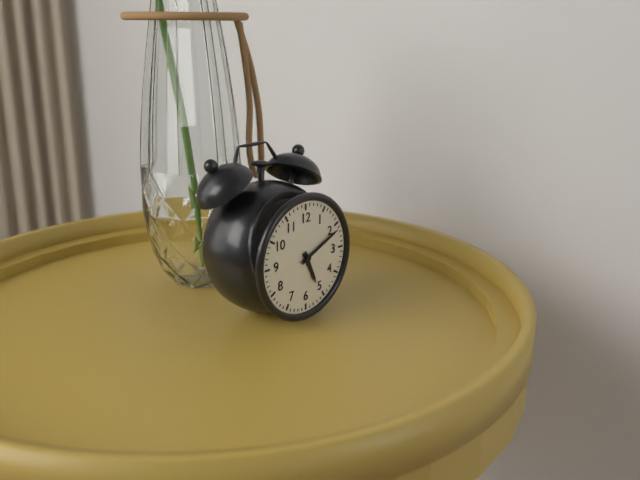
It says 5:11
